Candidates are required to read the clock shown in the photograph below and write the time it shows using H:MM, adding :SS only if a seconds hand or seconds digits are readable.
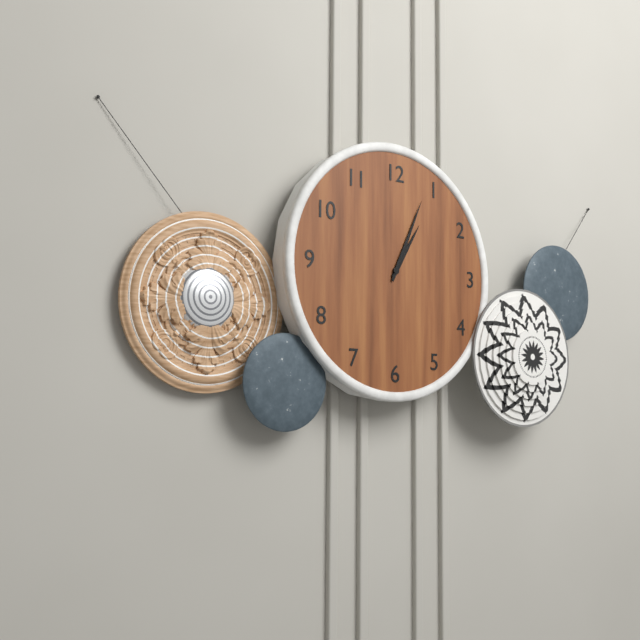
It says 1:04
